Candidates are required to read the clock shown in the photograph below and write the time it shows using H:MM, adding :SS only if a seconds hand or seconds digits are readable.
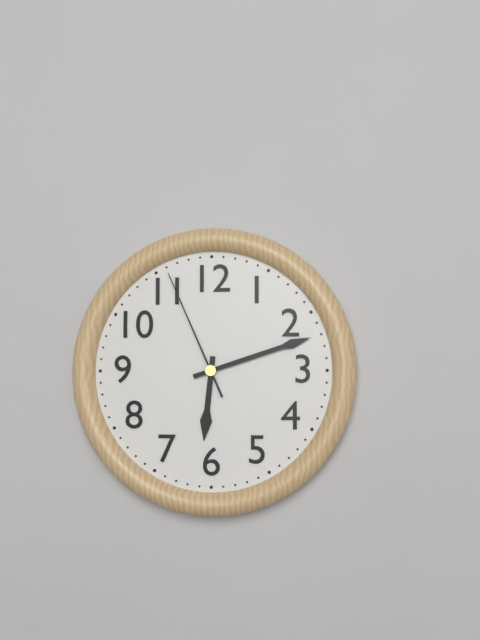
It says 6:12:56
